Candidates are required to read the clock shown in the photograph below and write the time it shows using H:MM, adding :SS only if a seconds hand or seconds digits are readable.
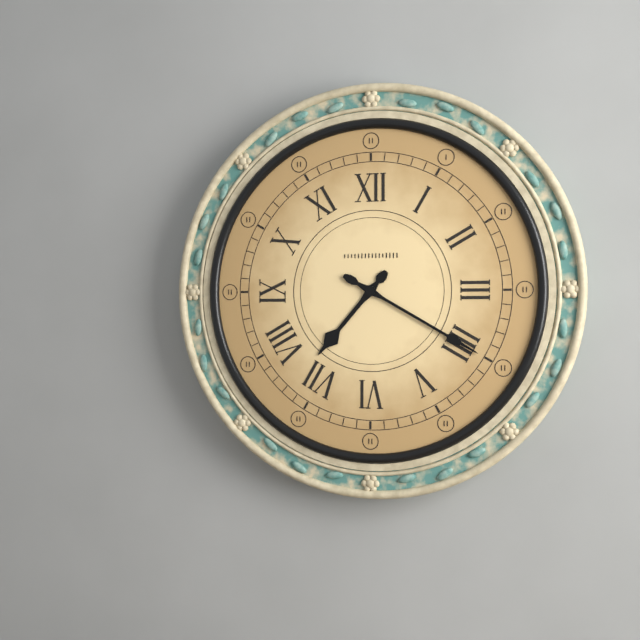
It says 7:20
